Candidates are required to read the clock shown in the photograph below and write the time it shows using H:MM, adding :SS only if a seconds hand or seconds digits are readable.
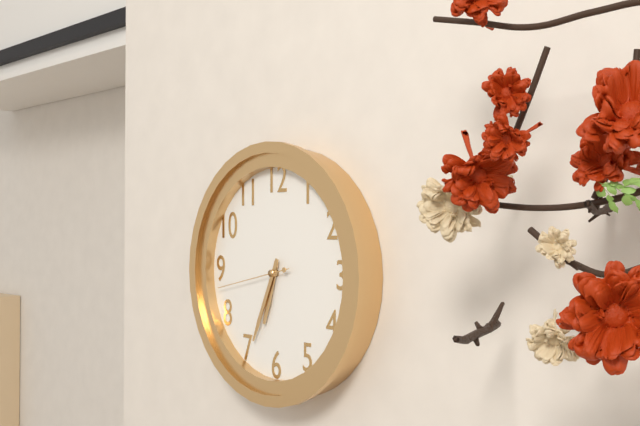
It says 6:34:43
